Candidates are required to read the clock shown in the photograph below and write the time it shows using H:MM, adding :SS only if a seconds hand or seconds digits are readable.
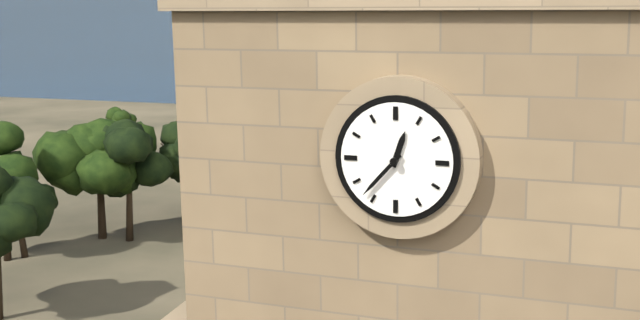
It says 12:37
